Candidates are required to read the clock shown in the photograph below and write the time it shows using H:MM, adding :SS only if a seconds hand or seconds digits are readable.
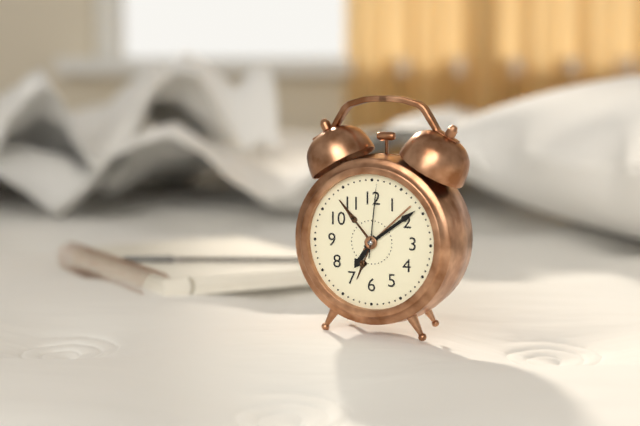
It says 7:09:01
